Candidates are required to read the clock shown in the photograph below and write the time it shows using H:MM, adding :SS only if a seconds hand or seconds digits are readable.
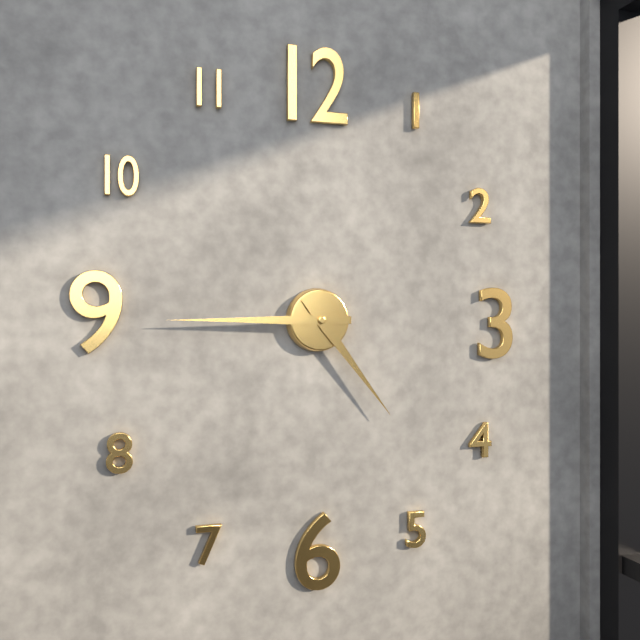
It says 4:45
